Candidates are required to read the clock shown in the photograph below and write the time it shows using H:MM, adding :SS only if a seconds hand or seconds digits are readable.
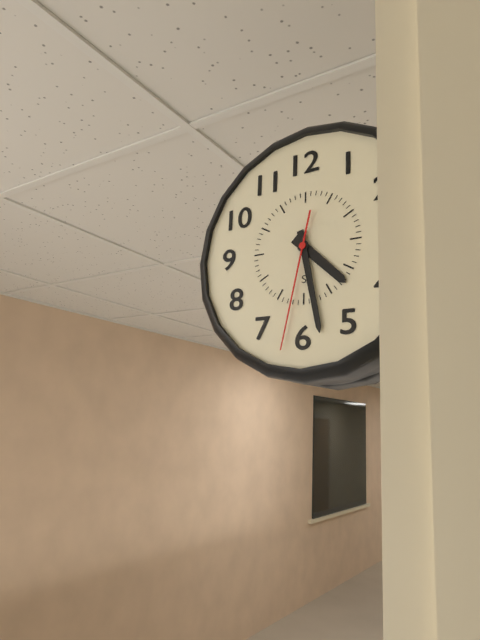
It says 4:28:32
